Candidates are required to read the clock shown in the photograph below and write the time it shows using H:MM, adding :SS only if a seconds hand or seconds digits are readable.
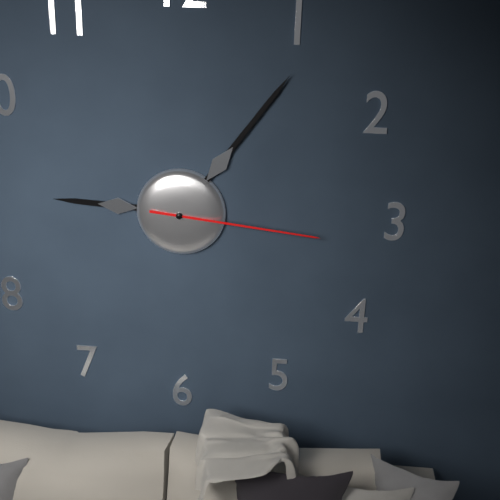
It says 9:06:16
